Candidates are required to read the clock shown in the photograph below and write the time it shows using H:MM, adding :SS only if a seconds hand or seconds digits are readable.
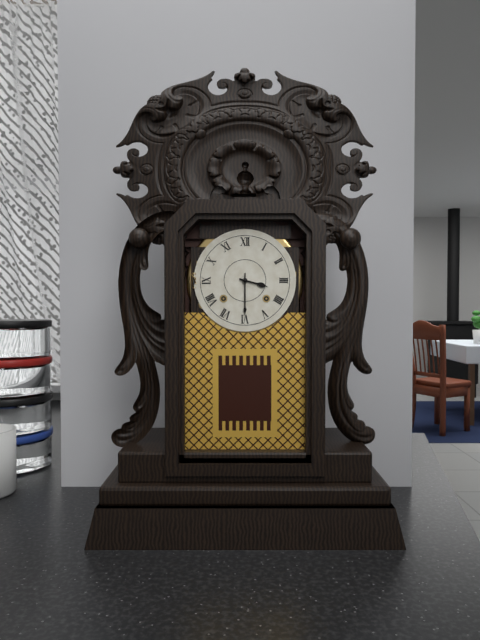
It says 3:30
